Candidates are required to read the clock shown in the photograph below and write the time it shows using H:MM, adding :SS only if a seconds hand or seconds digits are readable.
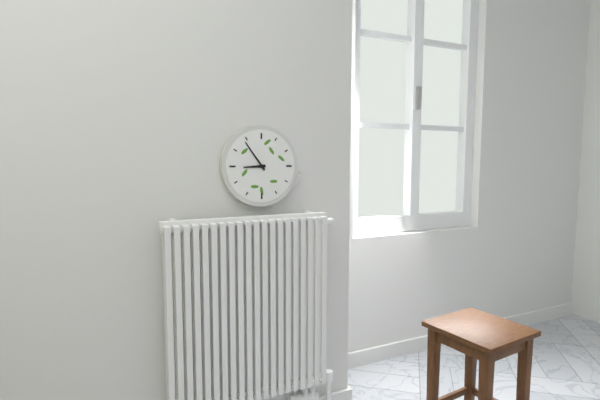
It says 8:54
